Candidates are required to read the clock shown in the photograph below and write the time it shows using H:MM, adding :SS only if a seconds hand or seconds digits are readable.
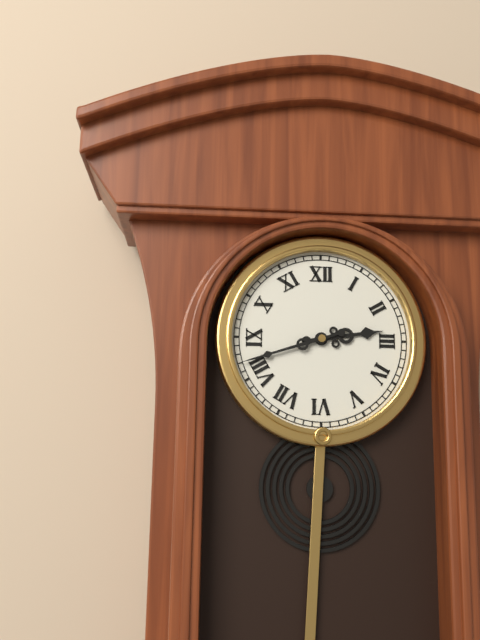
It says 2:42
